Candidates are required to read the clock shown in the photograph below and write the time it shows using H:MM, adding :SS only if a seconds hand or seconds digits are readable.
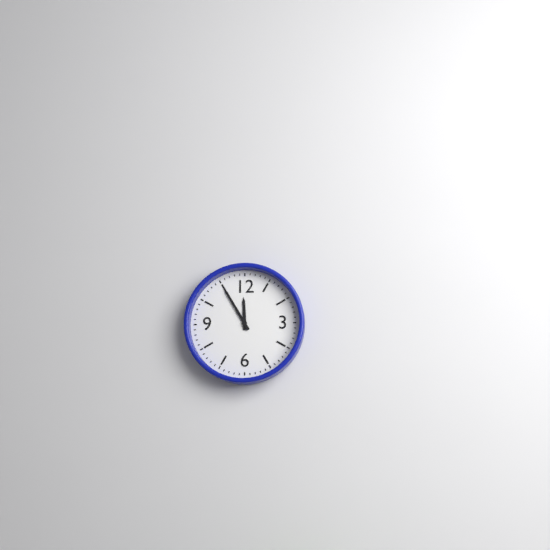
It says 11:55
